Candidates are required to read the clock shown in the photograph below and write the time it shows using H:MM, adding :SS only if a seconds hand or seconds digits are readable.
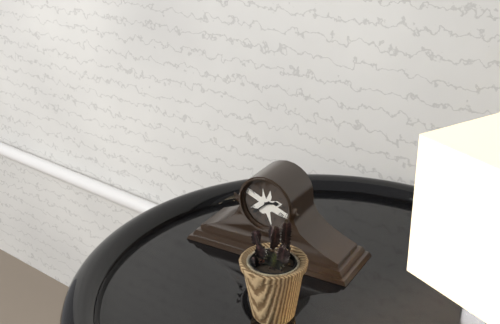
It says 2:38
